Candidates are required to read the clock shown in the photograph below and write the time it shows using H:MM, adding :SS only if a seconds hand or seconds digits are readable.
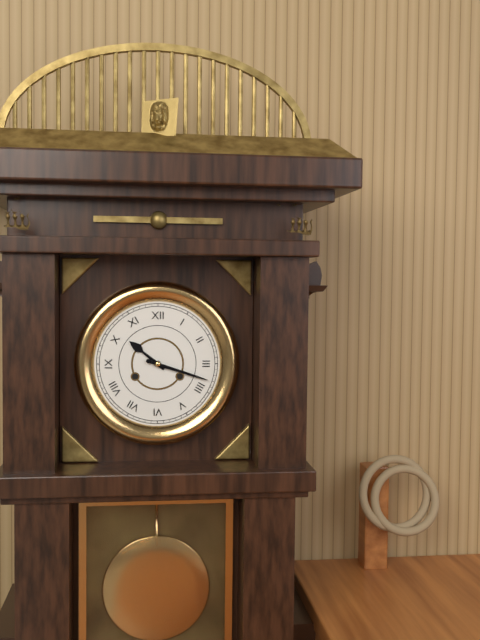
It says 10:18
